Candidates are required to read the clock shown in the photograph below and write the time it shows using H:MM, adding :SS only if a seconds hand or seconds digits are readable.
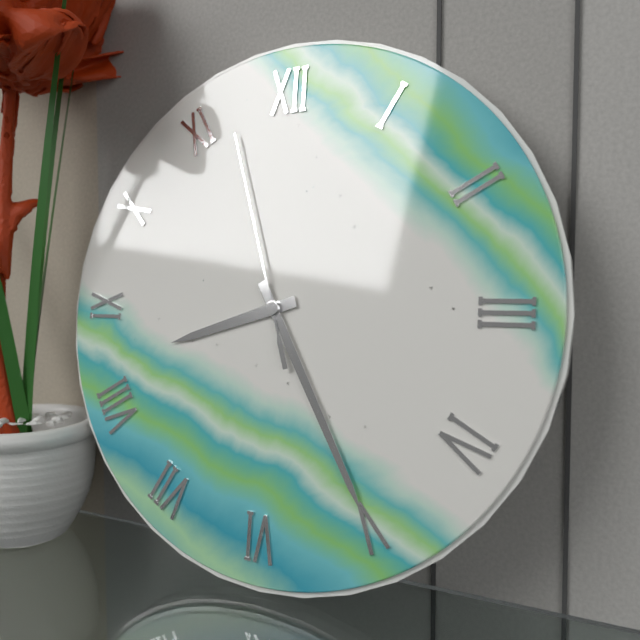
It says 8:25:57
